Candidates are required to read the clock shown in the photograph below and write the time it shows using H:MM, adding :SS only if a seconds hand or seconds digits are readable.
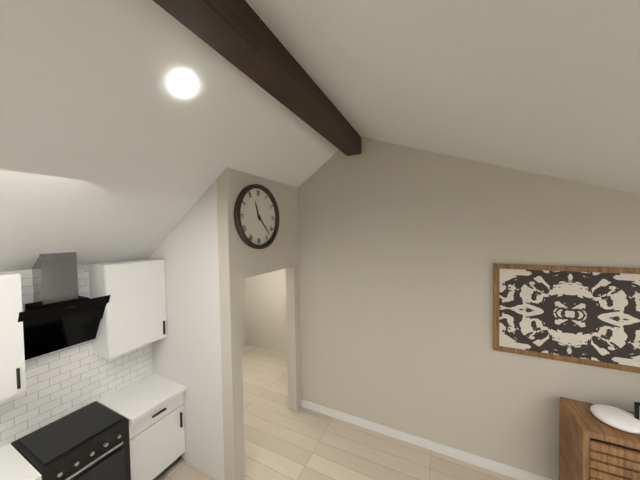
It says 11:23
